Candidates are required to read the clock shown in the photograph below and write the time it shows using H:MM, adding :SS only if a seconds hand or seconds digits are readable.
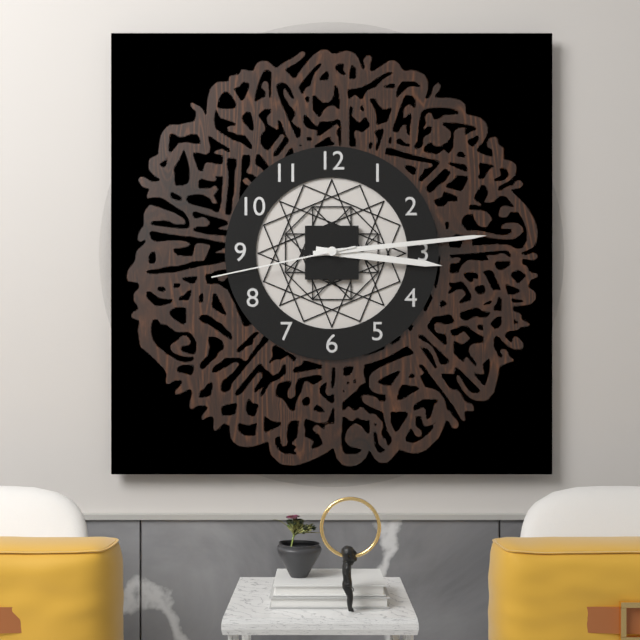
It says 3:14:43
